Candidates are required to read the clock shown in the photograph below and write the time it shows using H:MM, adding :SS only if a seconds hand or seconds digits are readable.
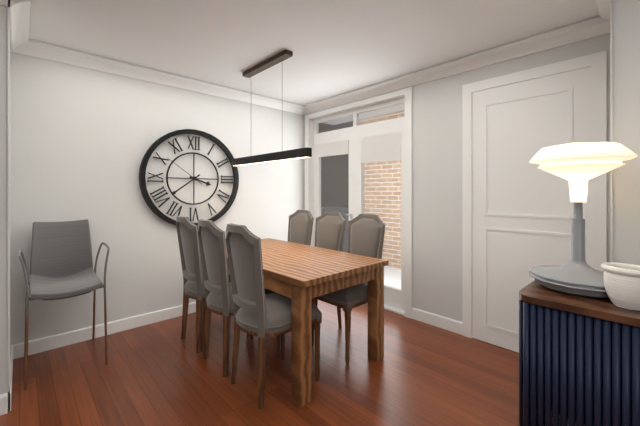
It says 3:39
